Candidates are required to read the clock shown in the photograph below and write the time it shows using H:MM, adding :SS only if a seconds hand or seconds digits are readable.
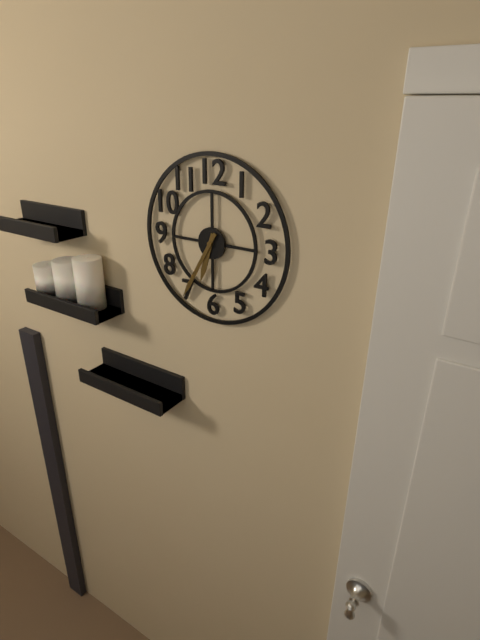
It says 6:35
